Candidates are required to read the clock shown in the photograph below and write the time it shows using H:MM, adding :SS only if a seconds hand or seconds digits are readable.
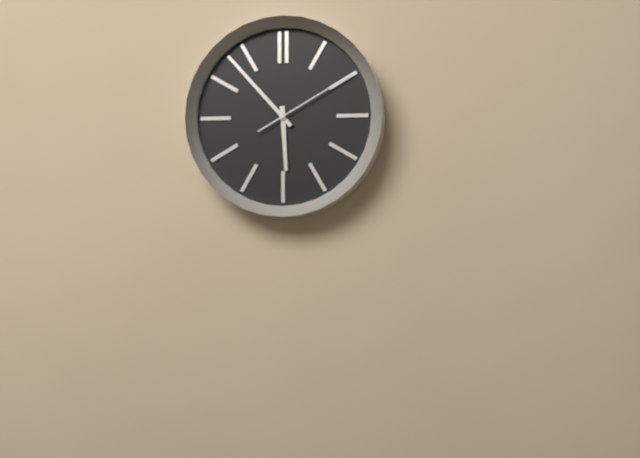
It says 5:53:10
